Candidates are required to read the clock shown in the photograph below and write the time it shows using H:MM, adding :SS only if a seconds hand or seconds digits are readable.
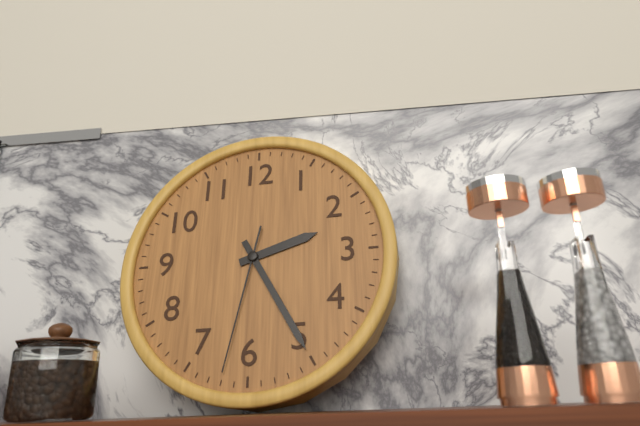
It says 2:25:32
